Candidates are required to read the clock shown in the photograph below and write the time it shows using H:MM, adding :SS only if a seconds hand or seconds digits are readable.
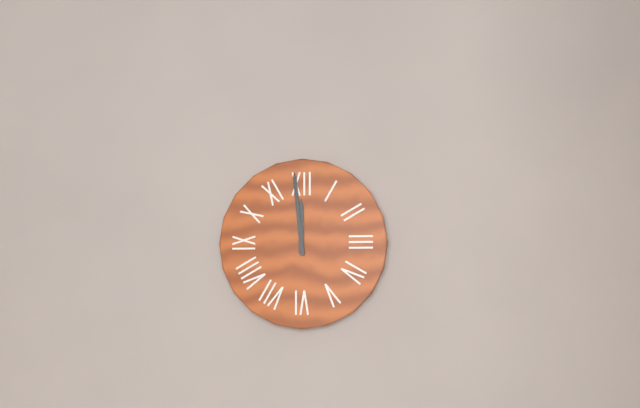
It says 11:59
